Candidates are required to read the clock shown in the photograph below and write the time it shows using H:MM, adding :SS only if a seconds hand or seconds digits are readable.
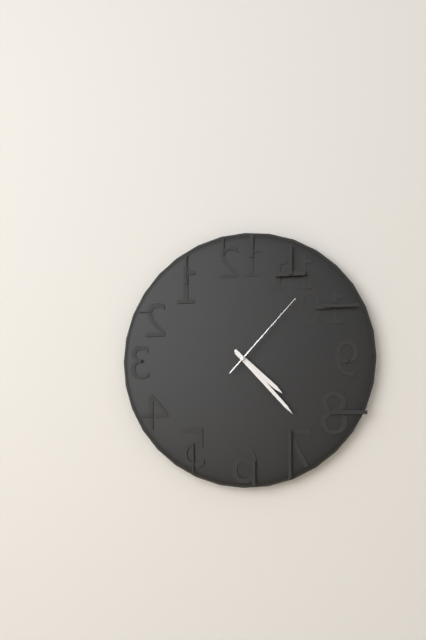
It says 4:23:07
